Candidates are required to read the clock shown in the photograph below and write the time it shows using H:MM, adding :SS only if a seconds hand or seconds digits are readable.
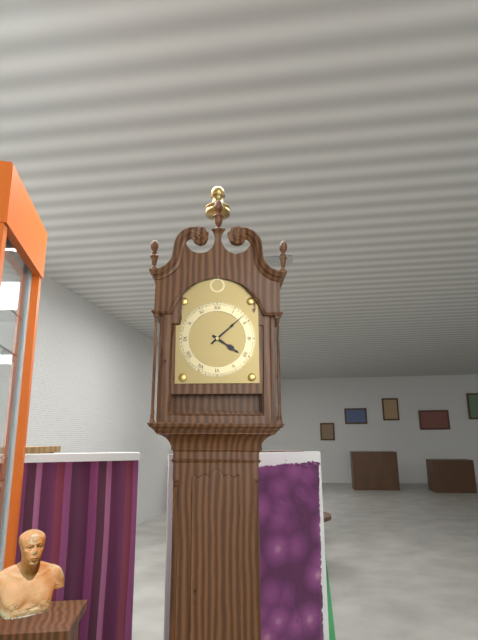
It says 4:08
